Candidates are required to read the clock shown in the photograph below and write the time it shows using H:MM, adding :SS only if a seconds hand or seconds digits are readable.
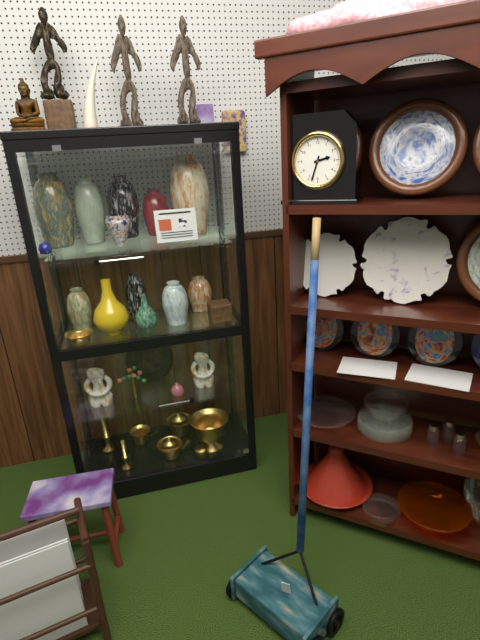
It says 2:33
